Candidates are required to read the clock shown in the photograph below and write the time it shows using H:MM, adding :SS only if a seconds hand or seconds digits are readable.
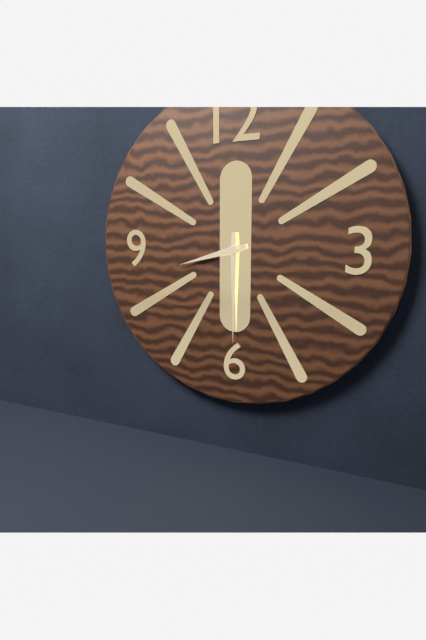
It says 8:30
